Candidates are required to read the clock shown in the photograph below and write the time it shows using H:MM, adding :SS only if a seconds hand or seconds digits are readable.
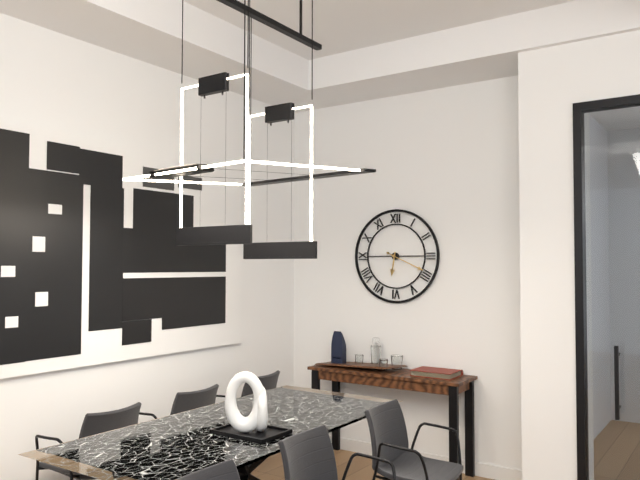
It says 6:19
